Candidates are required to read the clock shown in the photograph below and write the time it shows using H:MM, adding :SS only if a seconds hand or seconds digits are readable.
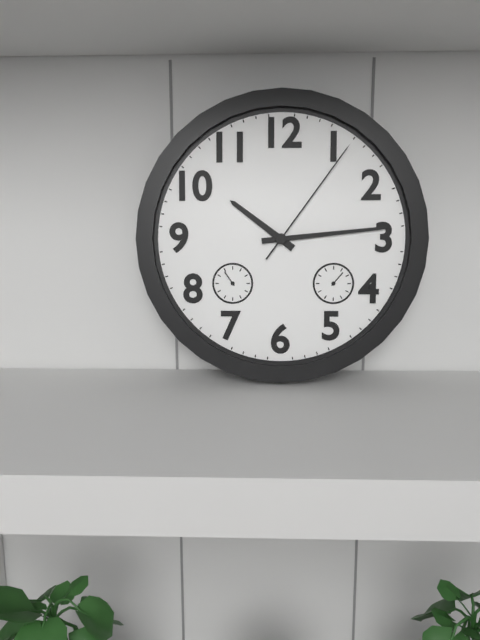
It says 10:14:06
